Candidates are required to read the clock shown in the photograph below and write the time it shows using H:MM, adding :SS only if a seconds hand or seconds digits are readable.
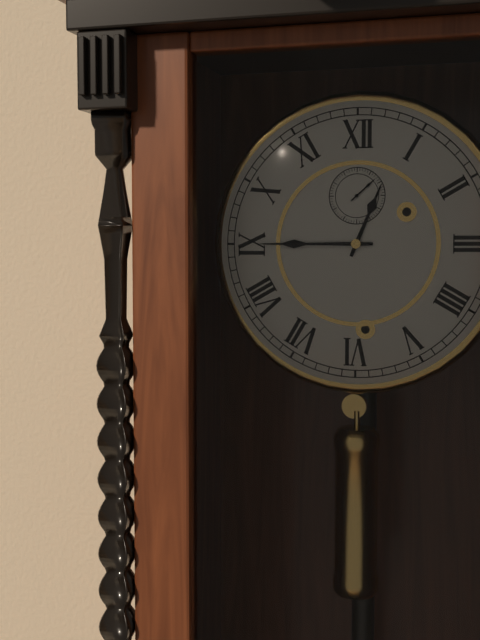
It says 12:45
